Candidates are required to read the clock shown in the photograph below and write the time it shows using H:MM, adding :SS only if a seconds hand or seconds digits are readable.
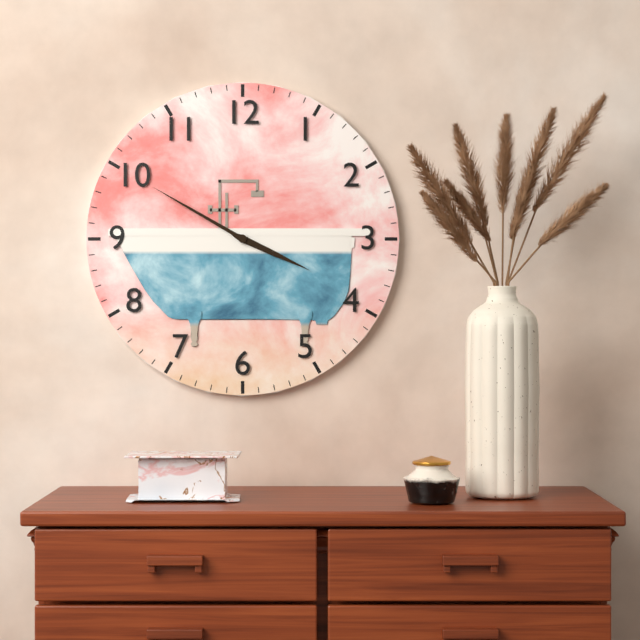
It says 3:50
